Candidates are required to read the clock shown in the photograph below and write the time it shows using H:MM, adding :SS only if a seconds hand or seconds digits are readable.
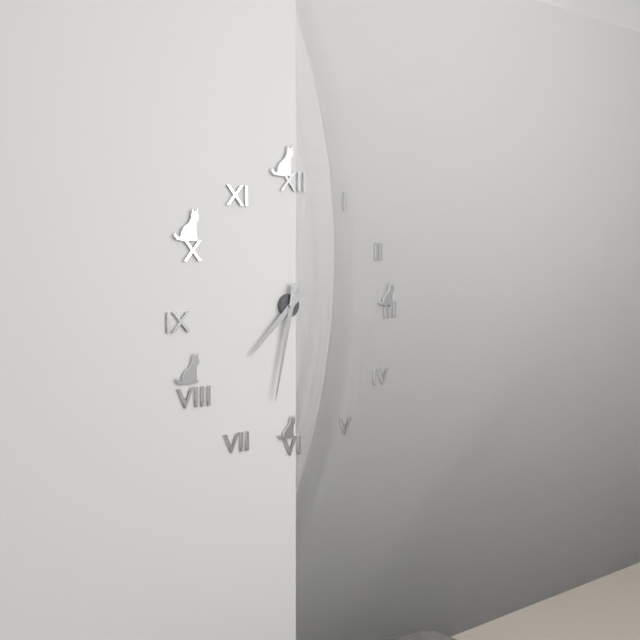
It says 7:32
